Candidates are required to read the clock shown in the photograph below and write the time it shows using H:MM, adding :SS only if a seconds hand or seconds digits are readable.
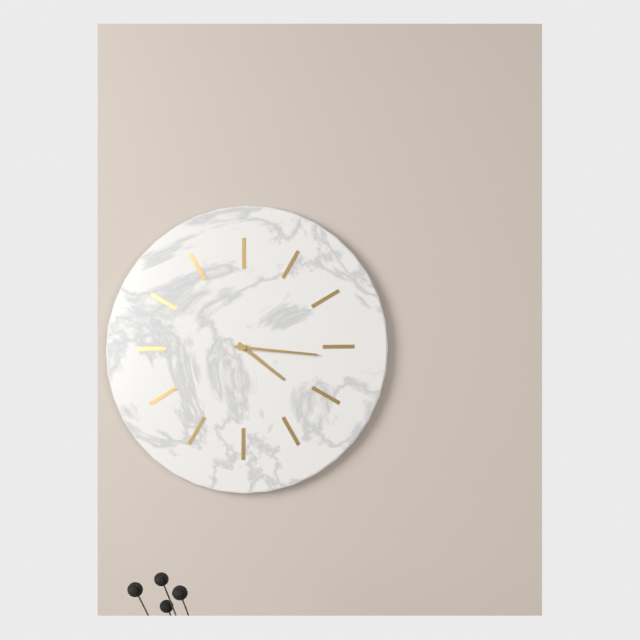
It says 4:16
